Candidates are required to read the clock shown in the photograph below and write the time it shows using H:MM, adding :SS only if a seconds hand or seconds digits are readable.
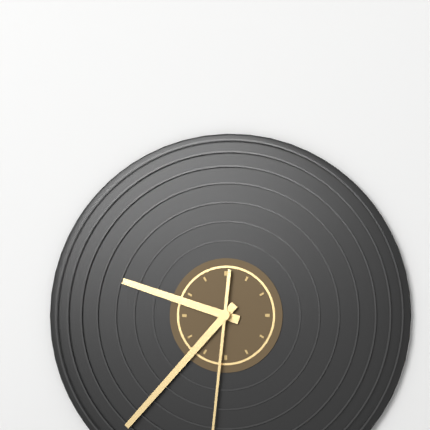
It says 9:37
